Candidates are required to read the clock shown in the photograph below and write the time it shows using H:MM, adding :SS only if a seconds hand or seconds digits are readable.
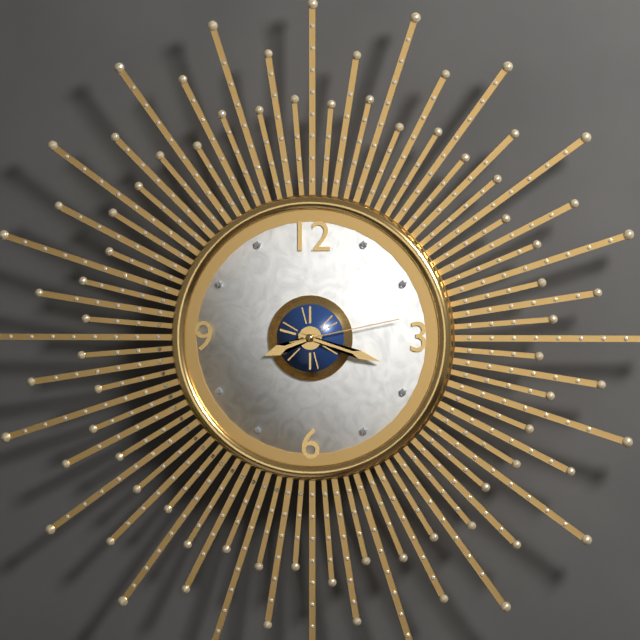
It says 8:18:13
